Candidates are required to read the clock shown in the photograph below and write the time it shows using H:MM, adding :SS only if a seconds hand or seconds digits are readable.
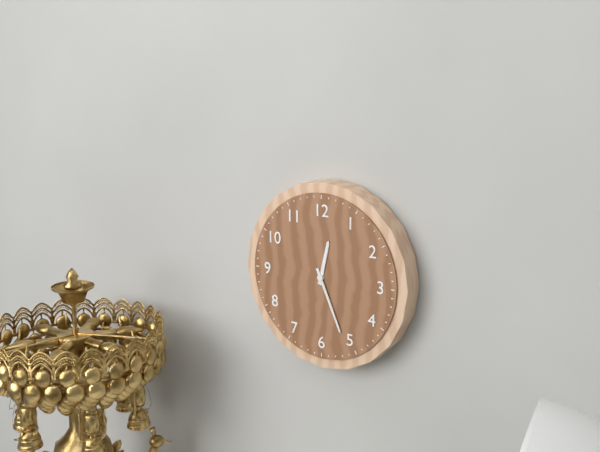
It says 12:26
